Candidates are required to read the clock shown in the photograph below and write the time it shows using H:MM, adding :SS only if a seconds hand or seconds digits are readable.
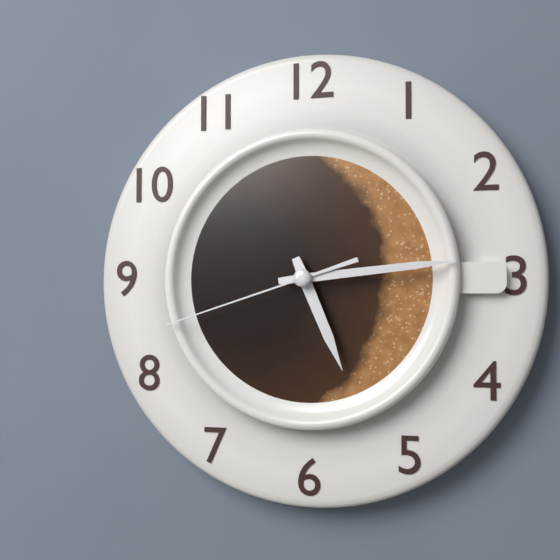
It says 5:14:42
